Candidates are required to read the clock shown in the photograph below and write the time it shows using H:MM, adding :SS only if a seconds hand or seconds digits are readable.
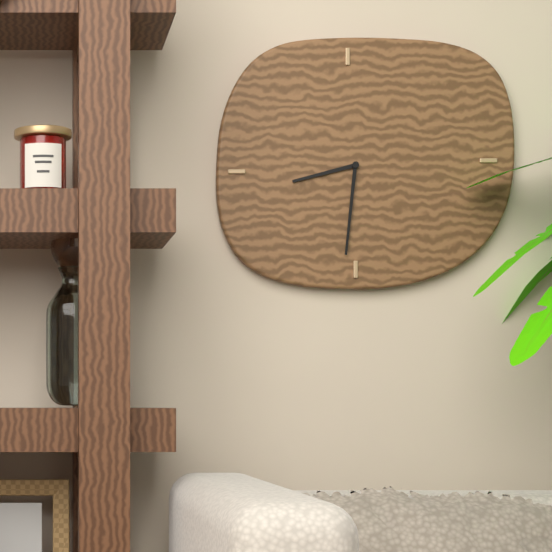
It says 8:31
